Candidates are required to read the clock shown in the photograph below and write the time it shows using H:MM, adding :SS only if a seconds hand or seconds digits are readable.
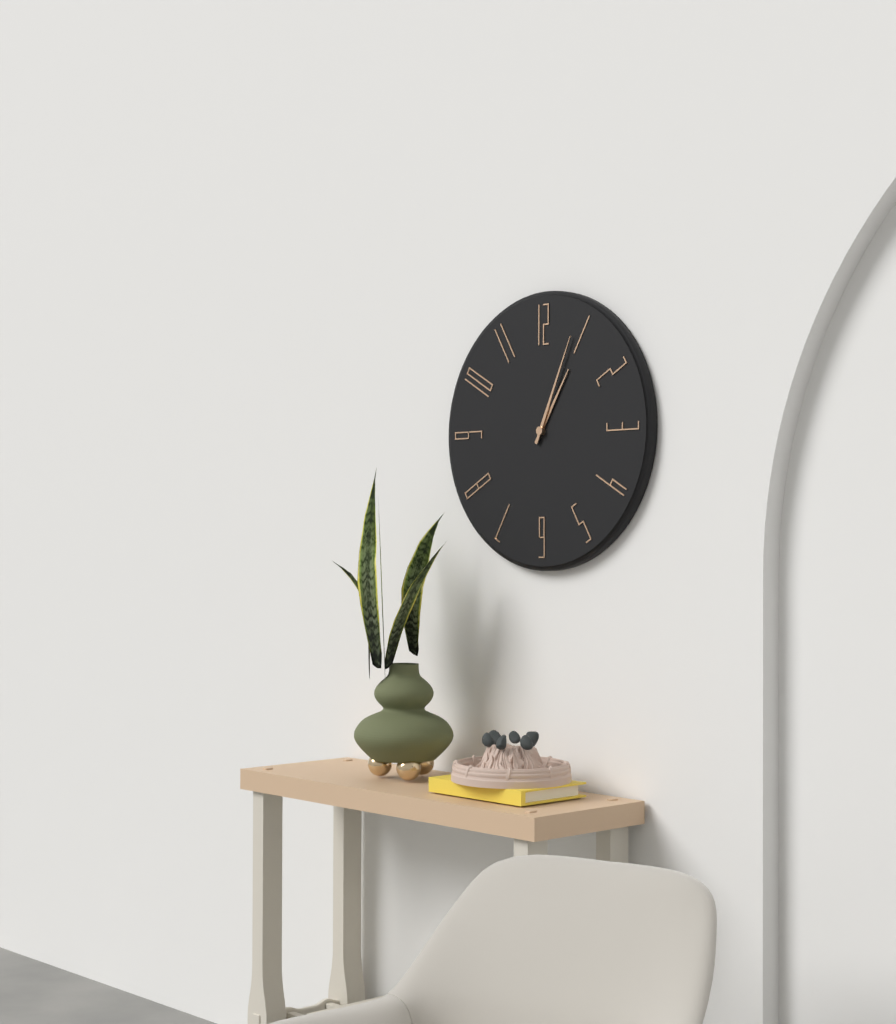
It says 1:04
